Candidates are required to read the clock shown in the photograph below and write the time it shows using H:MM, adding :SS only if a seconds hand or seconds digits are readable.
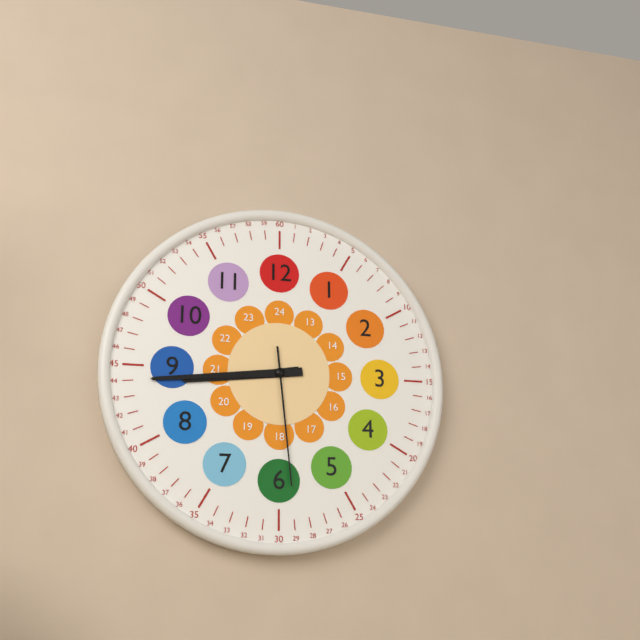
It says 8:44:29
